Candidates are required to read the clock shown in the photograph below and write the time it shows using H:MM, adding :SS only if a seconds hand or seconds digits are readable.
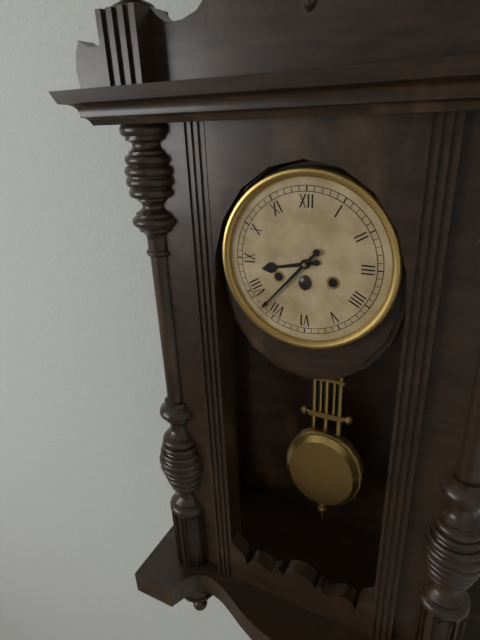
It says 8:37
